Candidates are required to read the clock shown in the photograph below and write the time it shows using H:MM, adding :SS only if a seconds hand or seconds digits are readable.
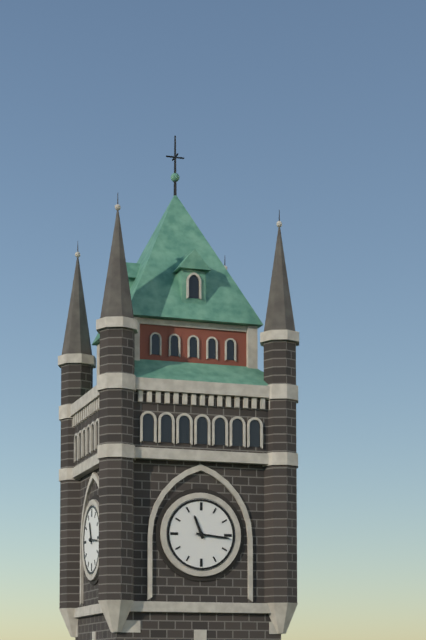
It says 11:16
